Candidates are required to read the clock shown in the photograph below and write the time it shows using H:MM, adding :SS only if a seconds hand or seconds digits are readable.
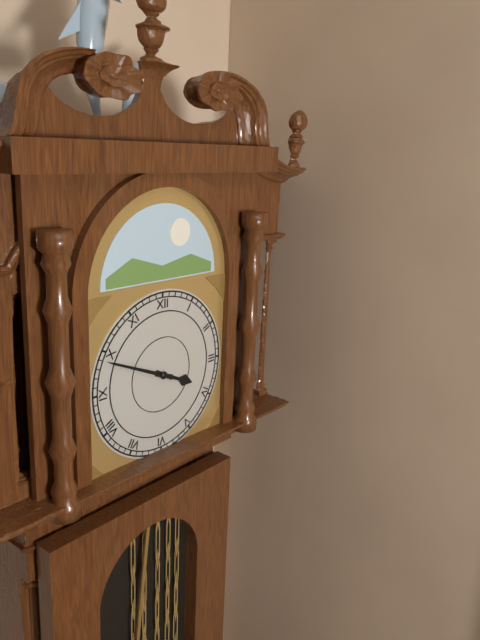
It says 3:49
